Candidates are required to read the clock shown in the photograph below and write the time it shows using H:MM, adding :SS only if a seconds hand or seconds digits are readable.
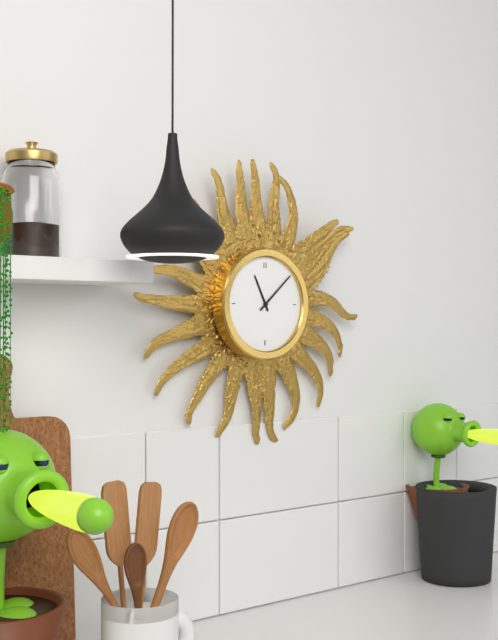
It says 11:08
